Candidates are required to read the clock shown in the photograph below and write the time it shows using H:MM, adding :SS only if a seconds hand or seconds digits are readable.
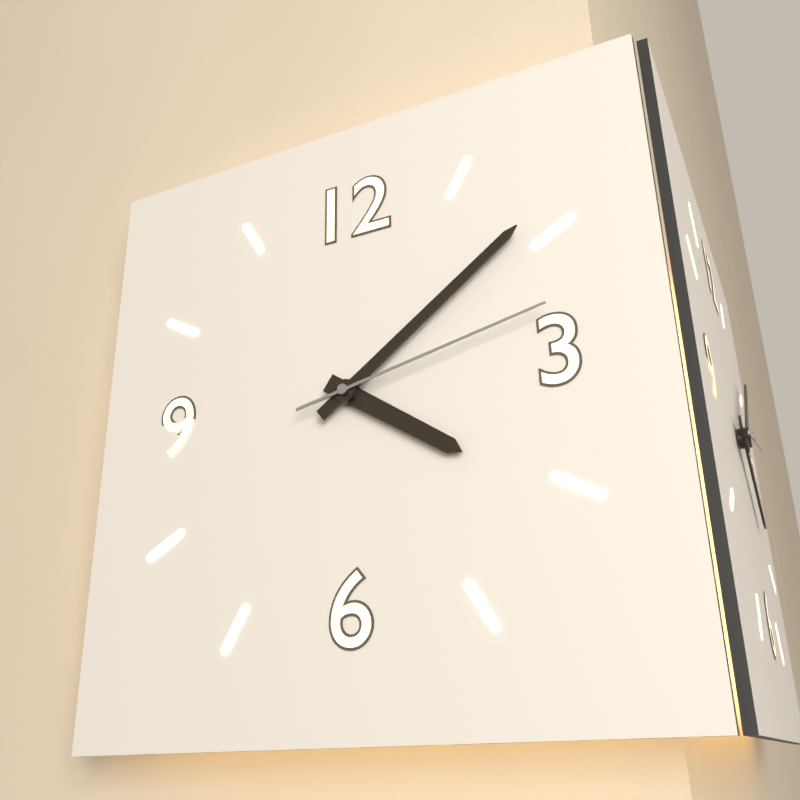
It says 4:09:13
